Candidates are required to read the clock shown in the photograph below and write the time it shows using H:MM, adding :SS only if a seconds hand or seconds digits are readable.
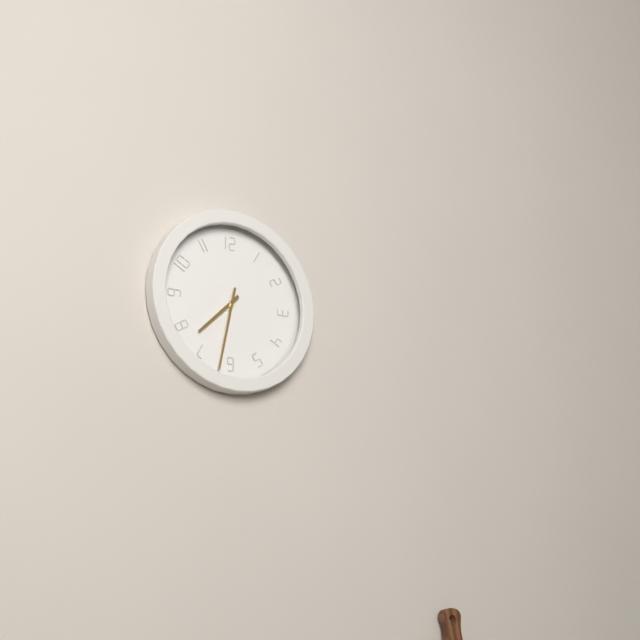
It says 7:32
